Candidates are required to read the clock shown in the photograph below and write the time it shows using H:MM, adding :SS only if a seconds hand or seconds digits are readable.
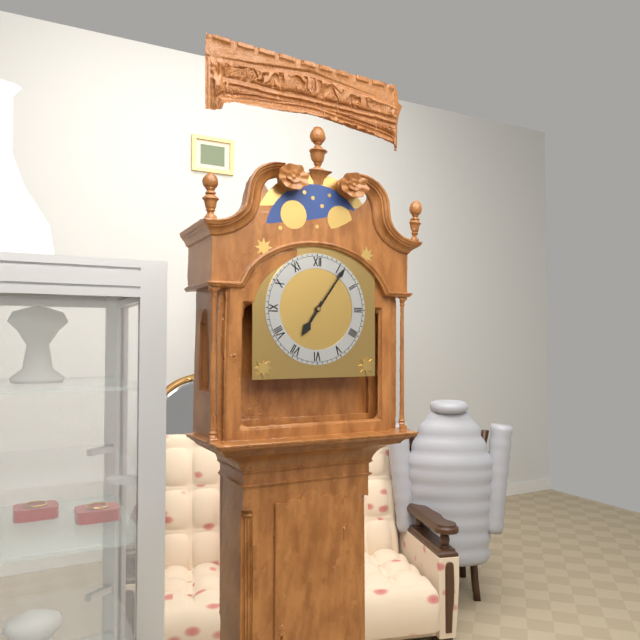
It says 7:06
